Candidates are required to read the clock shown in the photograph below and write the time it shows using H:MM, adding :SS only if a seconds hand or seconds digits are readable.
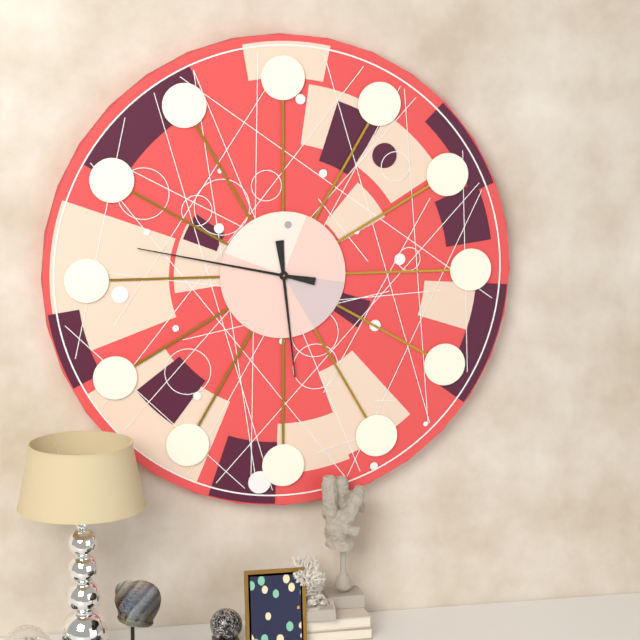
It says 5:47
